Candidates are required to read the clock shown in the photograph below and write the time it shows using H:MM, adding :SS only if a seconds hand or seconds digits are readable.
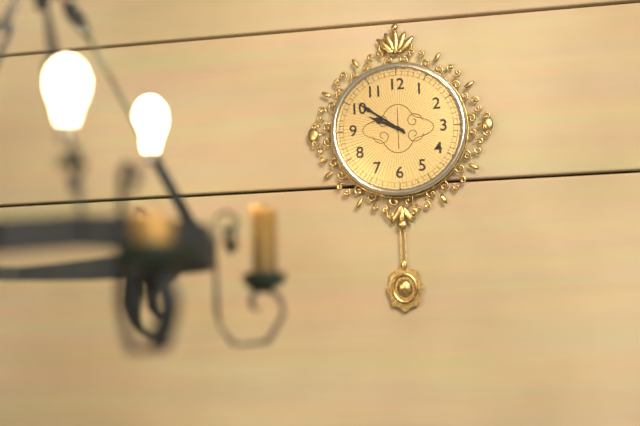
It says 9:51
